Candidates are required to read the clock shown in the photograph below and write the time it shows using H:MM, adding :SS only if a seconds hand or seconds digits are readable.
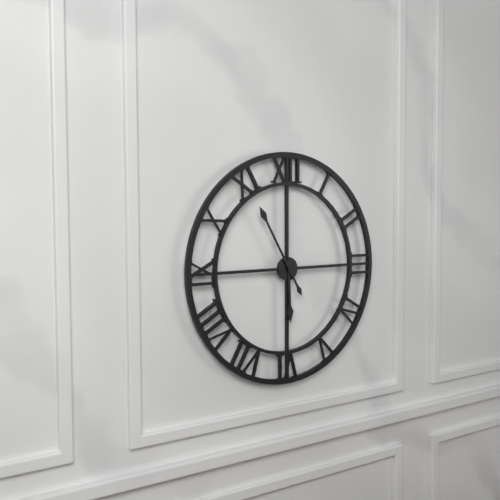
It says 5:55
